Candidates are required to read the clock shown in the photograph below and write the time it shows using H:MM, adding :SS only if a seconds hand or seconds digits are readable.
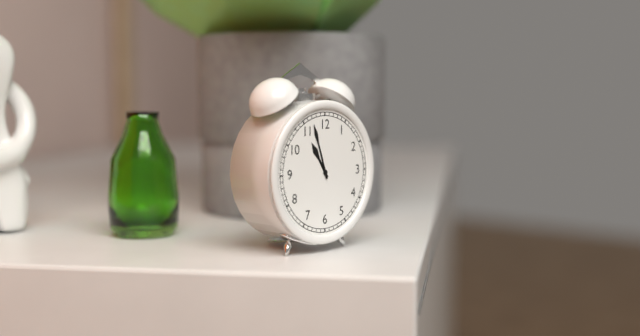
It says 10:57
